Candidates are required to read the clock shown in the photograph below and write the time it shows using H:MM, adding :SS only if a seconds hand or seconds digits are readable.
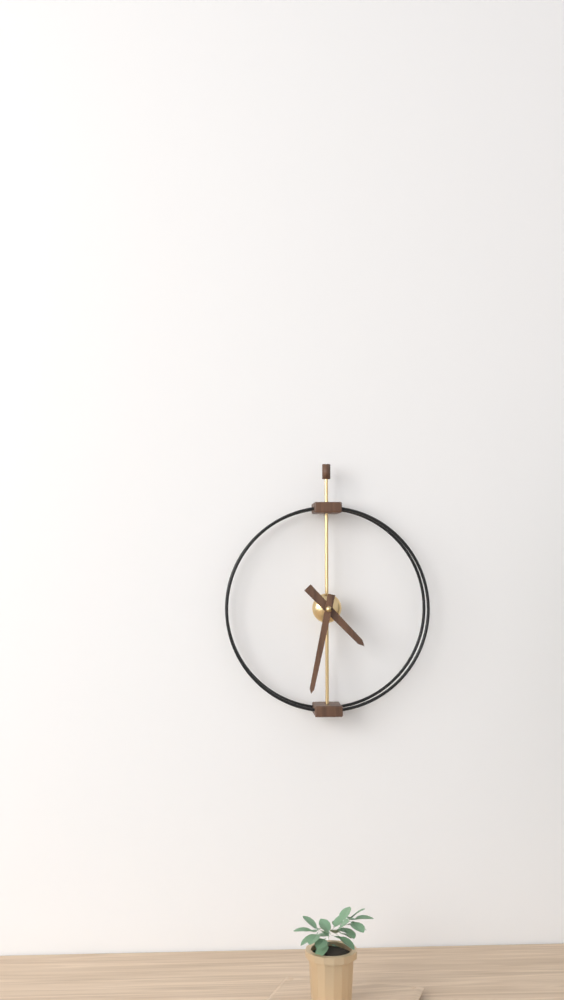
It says 4:32
